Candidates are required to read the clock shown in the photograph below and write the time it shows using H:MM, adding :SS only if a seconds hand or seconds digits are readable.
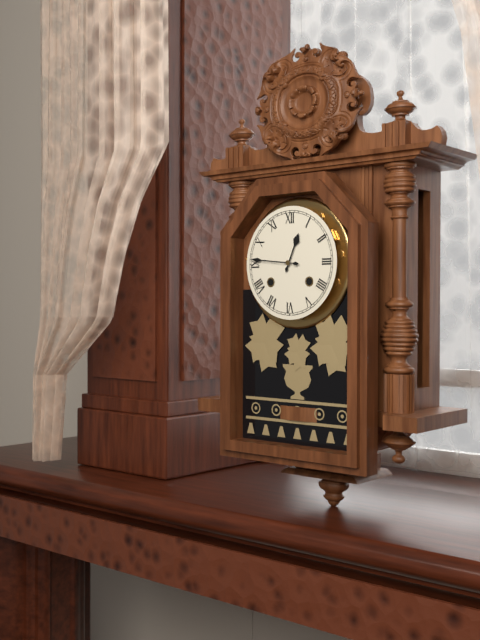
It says 12:46
